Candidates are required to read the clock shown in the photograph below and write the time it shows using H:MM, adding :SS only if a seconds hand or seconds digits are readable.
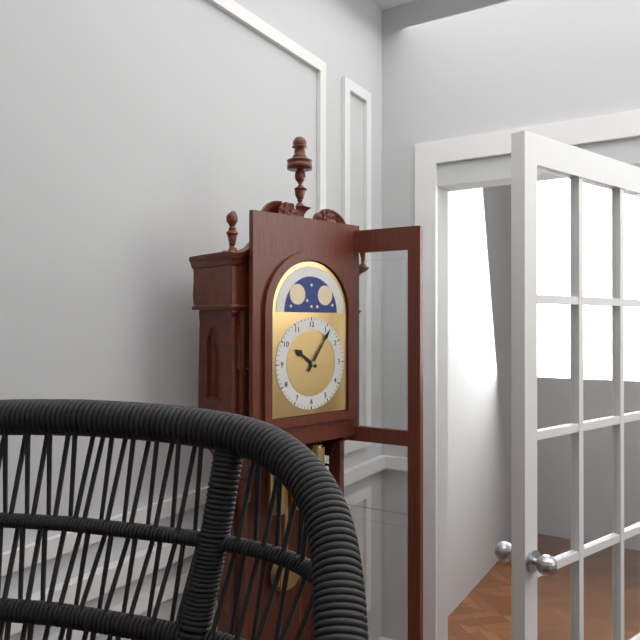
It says 10:06
